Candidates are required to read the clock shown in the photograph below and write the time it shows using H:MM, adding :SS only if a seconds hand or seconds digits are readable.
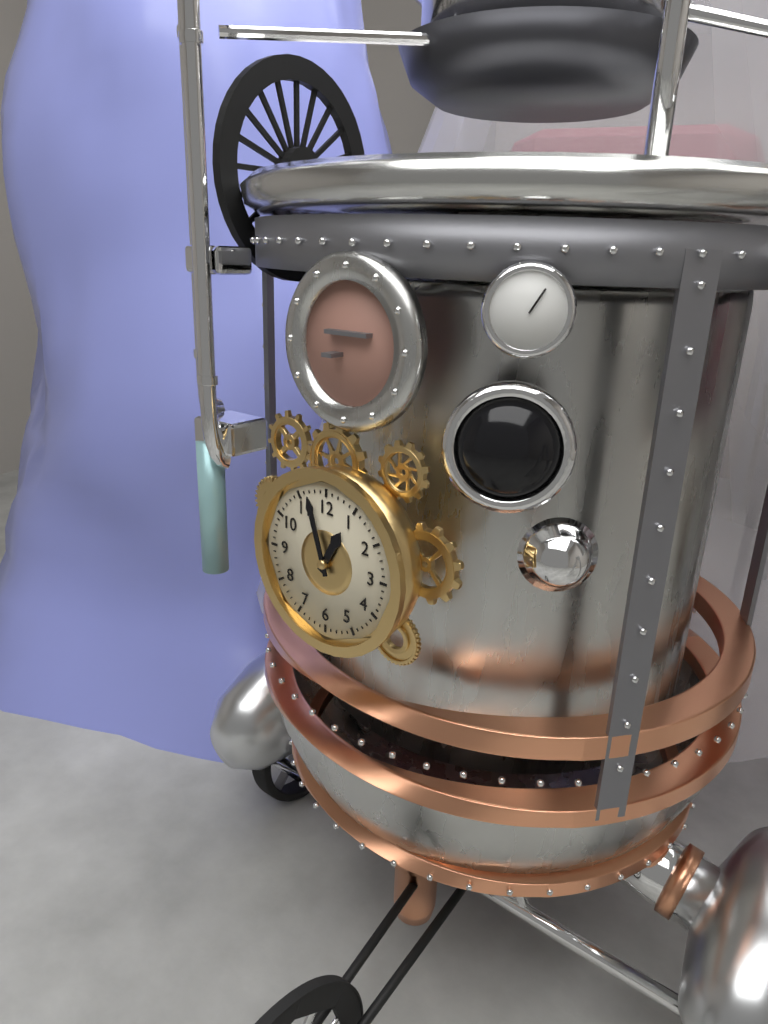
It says 12:57
